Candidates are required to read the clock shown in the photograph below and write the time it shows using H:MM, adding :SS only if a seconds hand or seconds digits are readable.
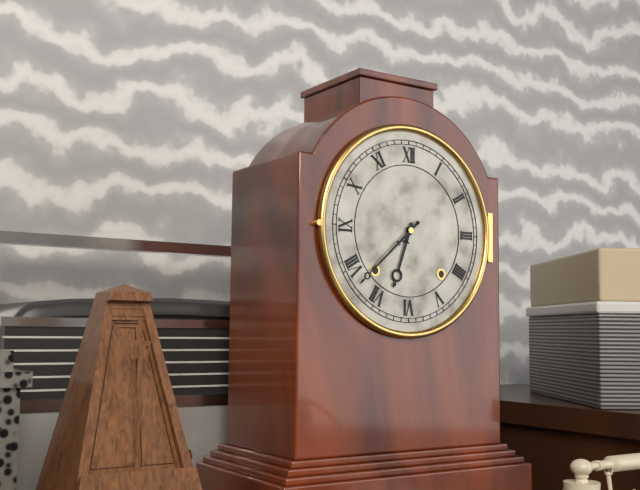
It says 6:38
